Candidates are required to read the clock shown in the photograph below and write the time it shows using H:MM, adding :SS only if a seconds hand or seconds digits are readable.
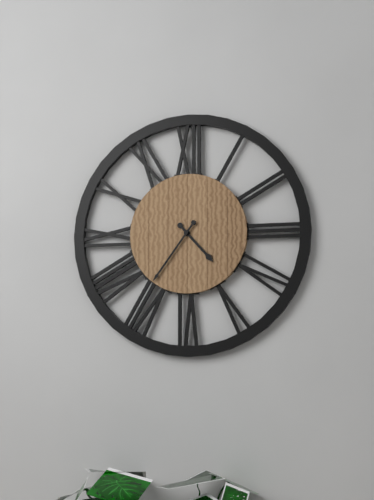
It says 4:36
